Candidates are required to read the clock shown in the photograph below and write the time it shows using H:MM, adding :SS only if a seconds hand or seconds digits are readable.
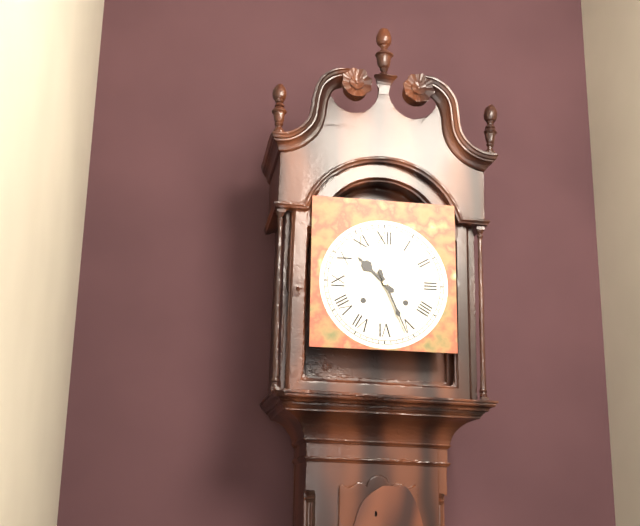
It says 10:26
